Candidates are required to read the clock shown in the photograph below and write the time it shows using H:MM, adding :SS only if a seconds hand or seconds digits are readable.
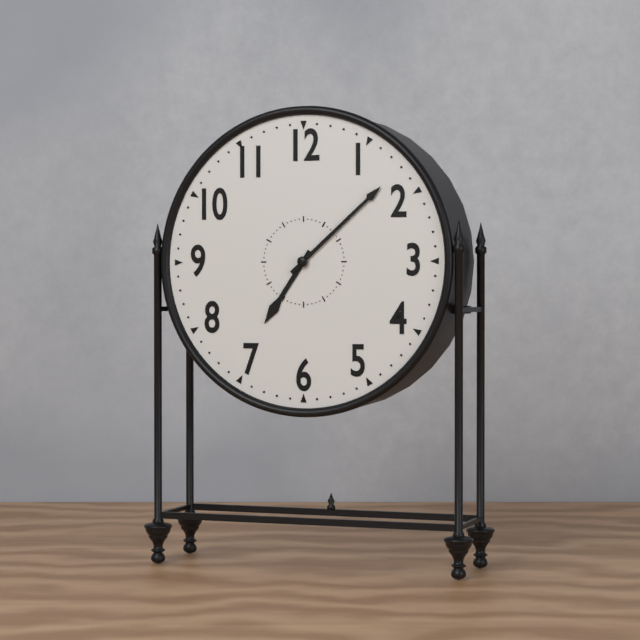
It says 7:08
